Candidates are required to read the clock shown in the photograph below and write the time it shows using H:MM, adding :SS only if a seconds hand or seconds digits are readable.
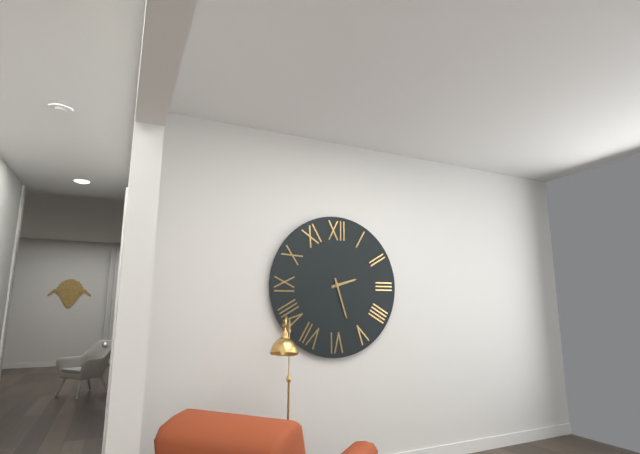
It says 2:27
